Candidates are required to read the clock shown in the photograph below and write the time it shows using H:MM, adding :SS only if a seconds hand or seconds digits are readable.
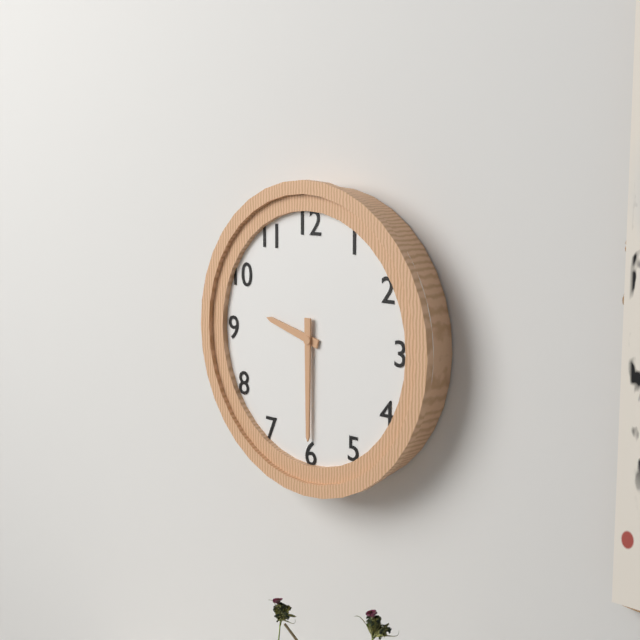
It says 9:30
